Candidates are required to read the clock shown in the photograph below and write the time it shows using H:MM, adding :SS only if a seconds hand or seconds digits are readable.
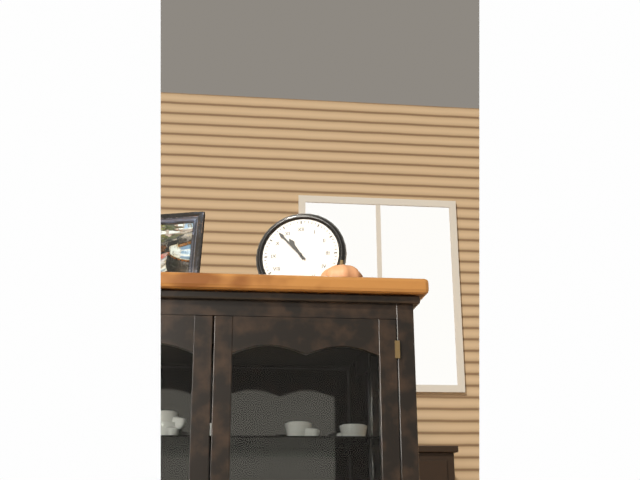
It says 10:53
